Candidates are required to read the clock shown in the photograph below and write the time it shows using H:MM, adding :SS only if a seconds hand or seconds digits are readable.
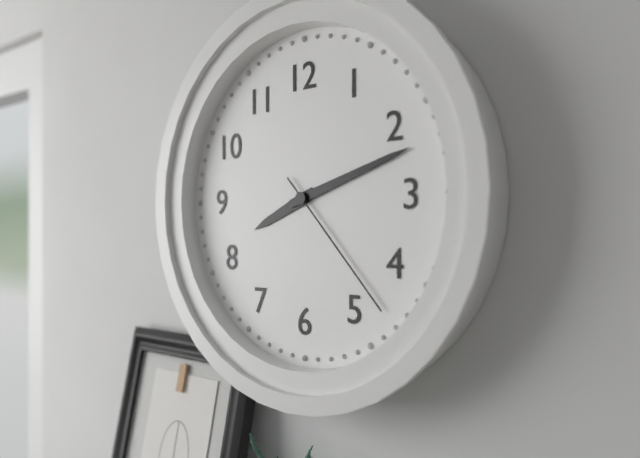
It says 8:12:23
